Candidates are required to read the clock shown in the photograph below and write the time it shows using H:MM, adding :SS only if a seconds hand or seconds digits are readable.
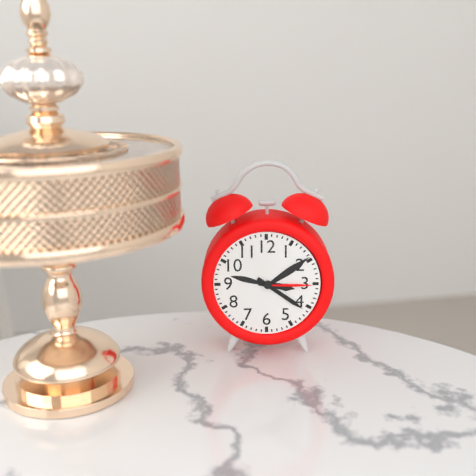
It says 3:21
